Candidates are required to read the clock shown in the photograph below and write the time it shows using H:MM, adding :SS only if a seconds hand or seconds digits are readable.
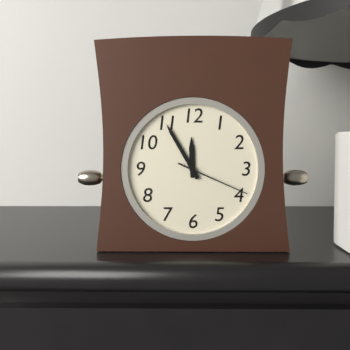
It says 11:55:19
